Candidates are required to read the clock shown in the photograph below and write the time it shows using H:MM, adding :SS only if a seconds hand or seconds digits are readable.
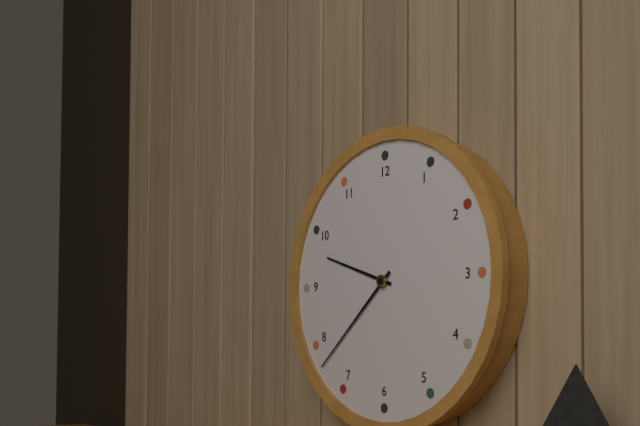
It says 9:38
